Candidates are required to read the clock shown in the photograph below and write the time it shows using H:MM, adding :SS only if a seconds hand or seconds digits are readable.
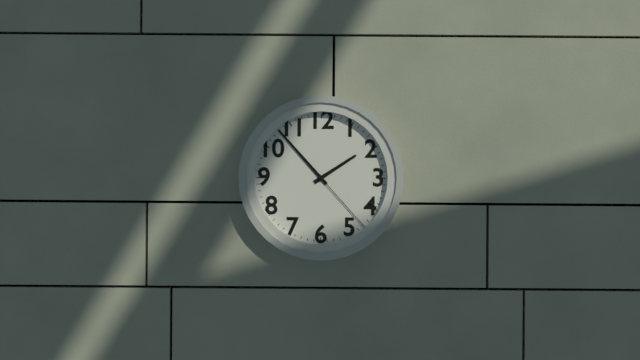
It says 1:53:23
